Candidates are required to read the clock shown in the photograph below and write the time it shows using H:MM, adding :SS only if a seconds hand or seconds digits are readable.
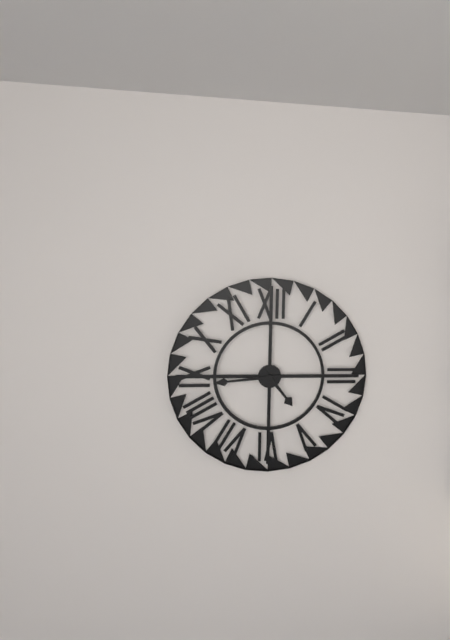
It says 4:44
